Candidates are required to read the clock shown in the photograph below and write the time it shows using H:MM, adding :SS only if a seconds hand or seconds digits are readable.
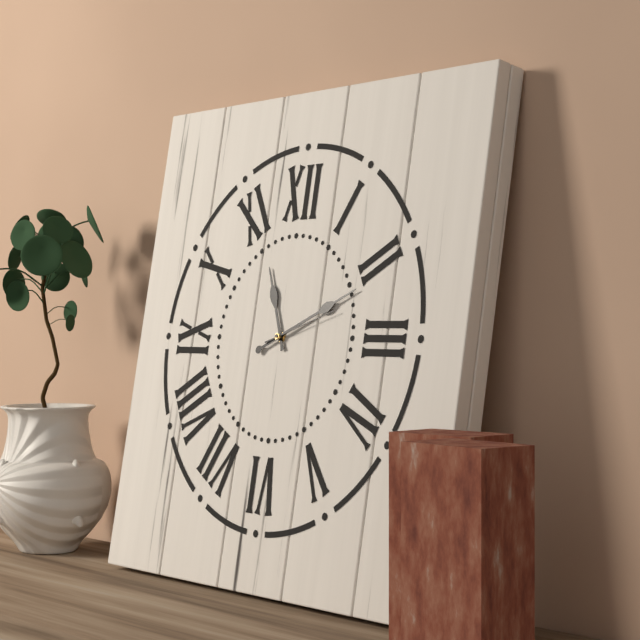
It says 11:11:12
